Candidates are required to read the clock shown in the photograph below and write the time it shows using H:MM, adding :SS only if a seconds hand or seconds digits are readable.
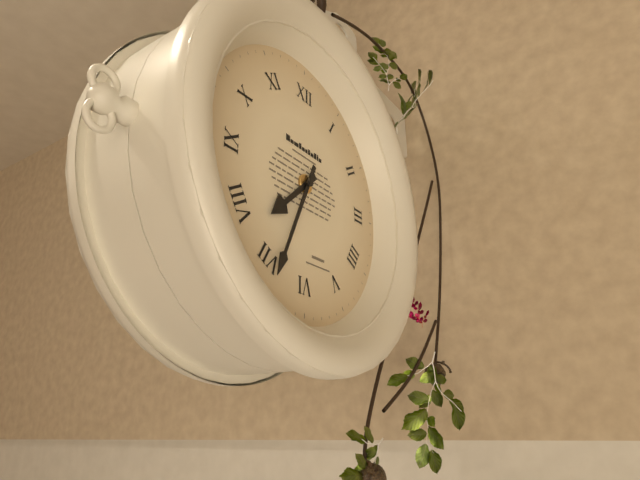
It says 7:34
